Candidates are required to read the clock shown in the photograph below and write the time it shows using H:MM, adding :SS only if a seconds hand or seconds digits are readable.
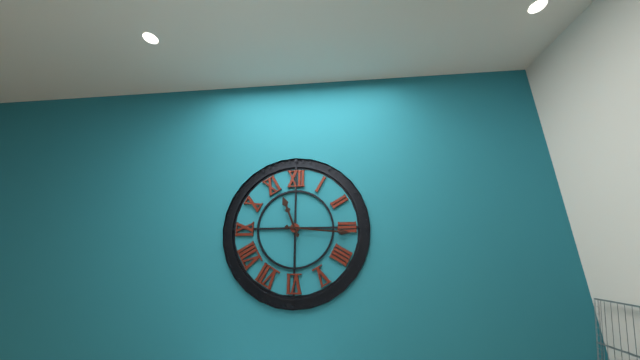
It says 11:16
